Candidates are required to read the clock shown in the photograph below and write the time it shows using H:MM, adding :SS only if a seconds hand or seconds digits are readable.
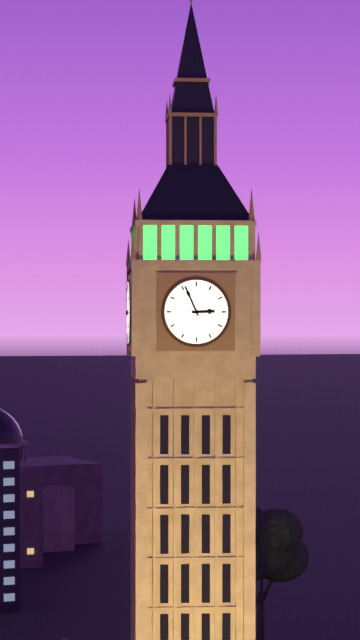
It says 2:56
